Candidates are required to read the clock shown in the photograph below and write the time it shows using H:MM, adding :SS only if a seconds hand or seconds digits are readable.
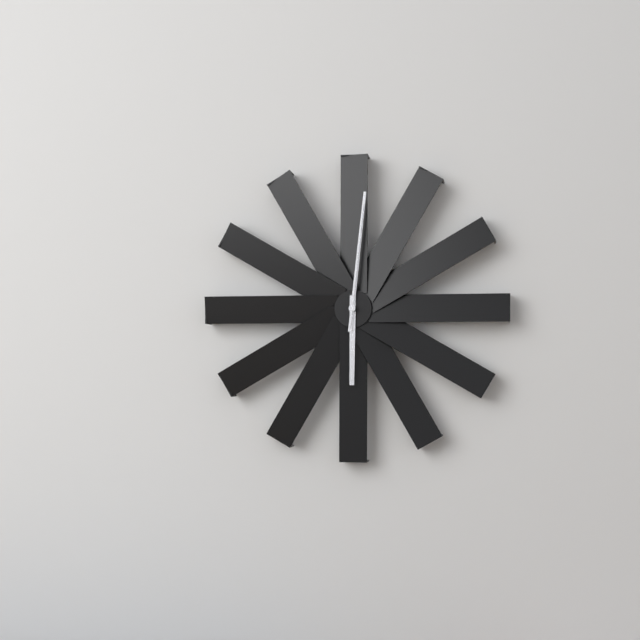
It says 6:01:01
